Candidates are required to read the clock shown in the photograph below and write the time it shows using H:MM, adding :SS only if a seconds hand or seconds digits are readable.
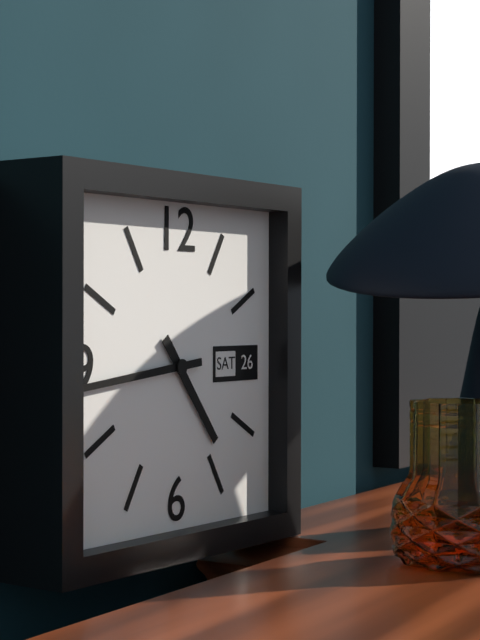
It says 4:44
